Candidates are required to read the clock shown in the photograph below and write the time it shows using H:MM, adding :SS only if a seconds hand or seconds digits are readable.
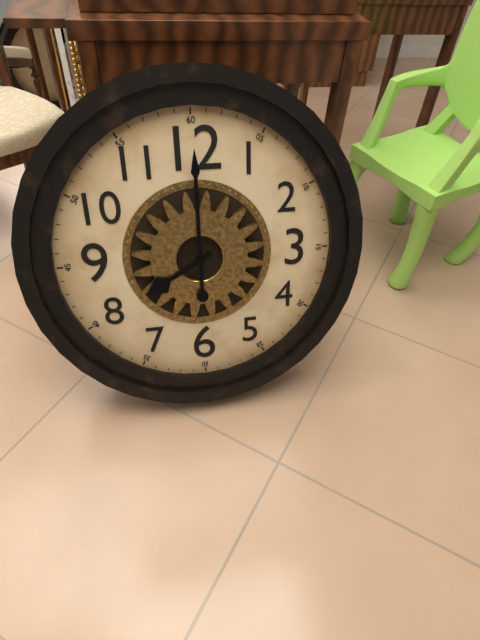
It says 8:00
